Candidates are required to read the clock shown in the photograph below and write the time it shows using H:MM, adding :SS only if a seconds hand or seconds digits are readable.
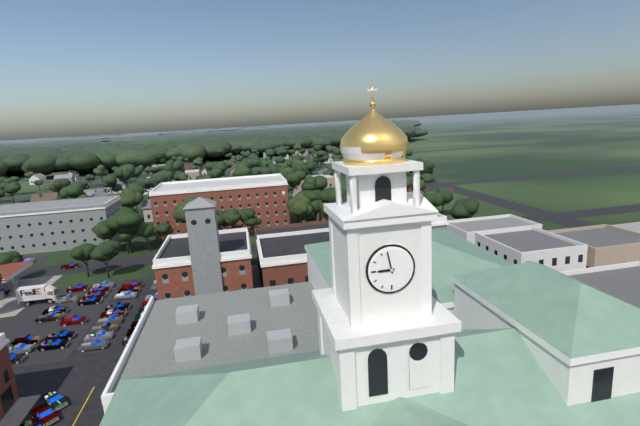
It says 8:58
